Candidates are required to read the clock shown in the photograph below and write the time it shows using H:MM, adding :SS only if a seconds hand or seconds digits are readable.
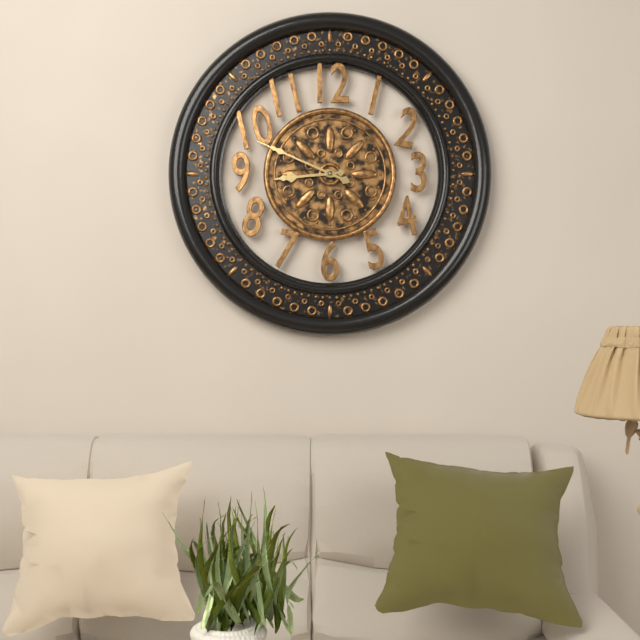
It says 8:49
